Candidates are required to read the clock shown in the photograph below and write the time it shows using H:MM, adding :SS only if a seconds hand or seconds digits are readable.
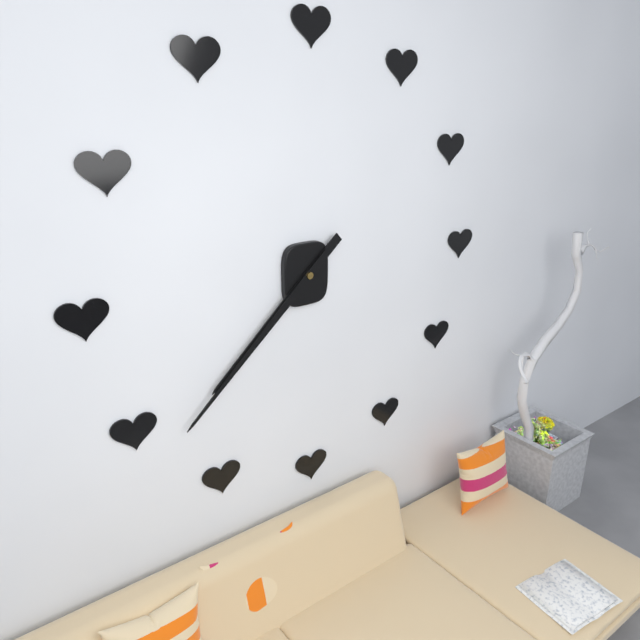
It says 7:38
